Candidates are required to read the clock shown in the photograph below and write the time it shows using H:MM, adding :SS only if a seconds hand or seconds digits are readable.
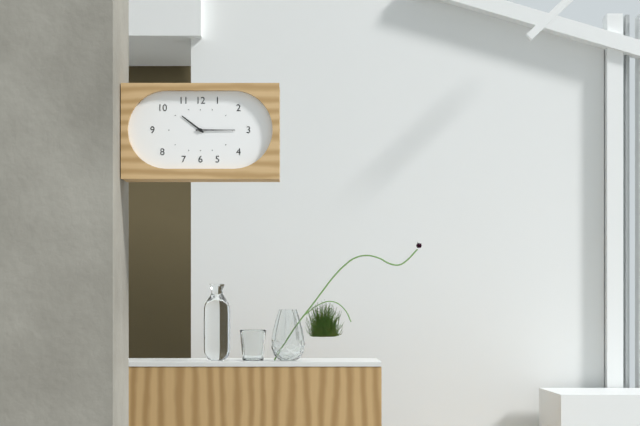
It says 10:15
